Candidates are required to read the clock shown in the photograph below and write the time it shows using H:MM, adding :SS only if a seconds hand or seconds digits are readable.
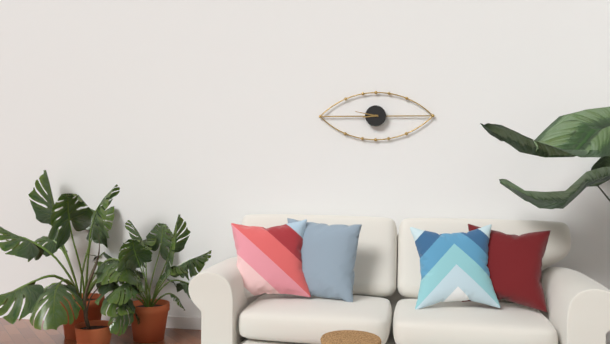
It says 8:47
